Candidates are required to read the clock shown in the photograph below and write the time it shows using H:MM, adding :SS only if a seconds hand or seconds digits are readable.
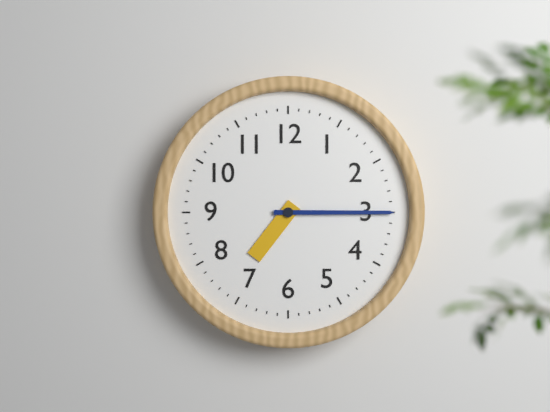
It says 7:15
